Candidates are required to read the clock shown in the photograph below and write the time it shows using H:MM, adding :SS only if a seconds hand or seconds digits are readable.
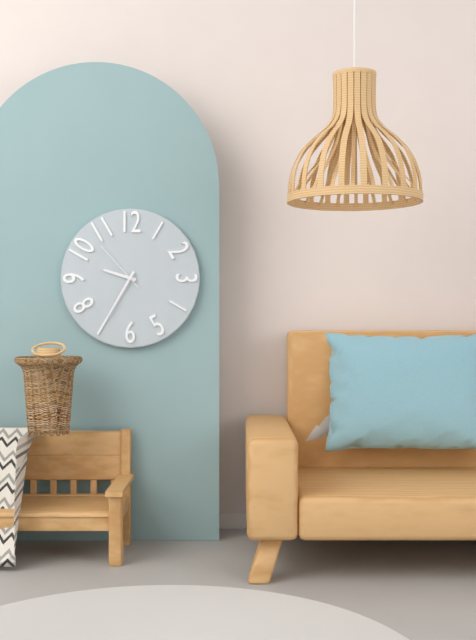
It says 9:35:53
